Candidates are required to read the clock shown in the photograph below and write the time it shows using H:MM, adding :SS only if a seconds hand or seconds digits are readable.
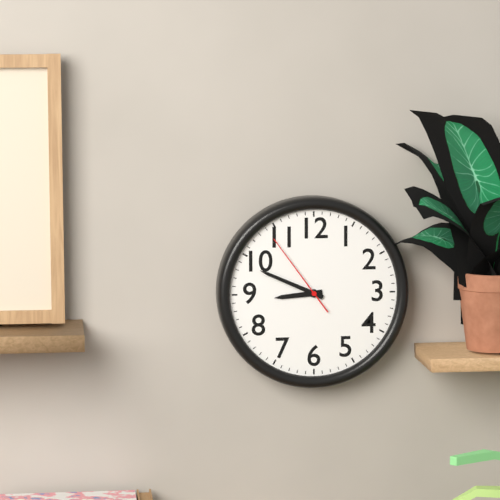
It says 8:49:54
